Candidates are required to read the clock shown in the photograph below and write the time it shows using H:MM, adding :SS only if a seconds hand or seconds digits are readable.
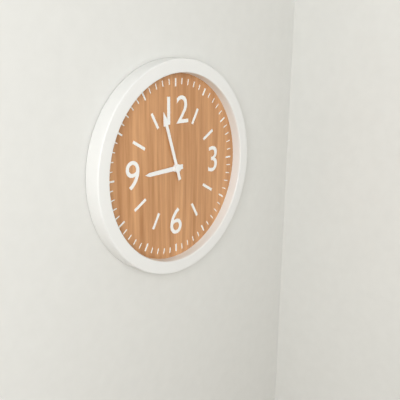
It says 8:57
